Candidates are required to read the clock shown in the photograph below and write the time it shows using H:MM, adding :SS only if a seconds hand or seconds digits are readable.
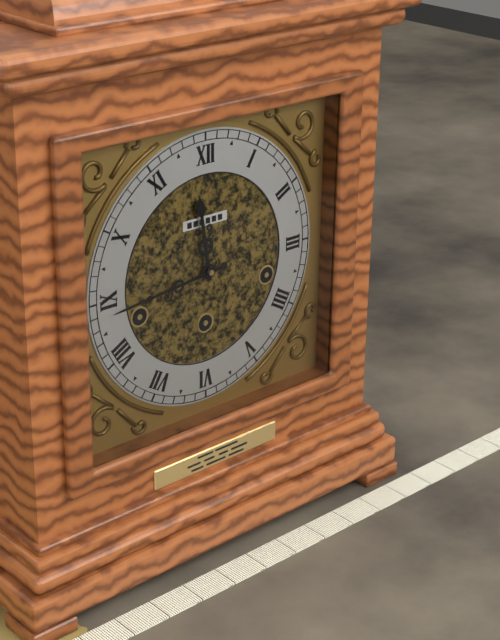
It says 11:44
